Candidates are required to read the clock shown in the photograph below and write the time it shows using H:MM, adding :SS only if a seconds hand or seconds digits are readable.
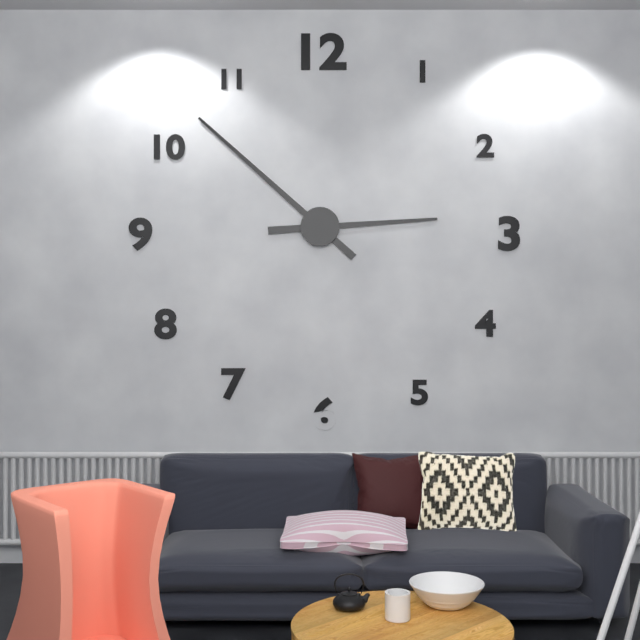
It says 2:52
